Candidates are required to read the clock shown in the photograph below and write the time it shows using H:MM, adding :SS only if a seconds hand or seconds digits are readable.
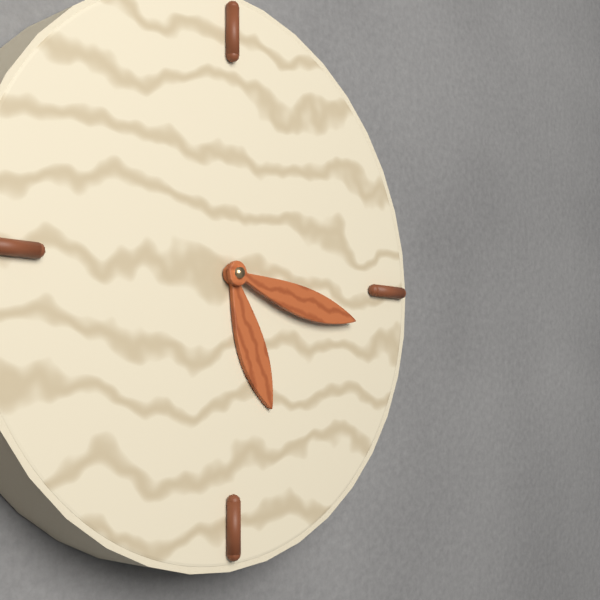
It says 5:17
